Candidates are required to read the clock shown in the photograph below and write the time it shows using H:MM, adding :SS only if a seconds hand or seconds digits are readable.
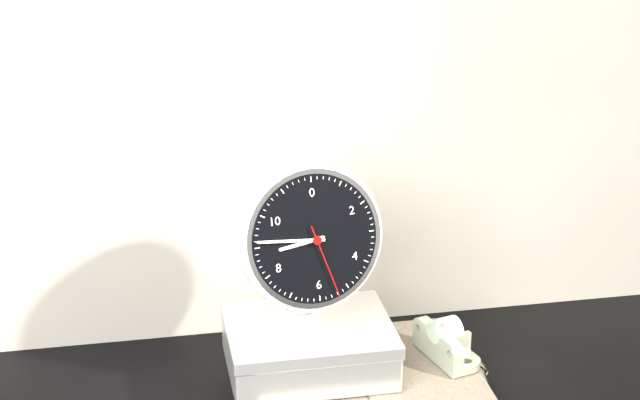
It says 8:46:27
